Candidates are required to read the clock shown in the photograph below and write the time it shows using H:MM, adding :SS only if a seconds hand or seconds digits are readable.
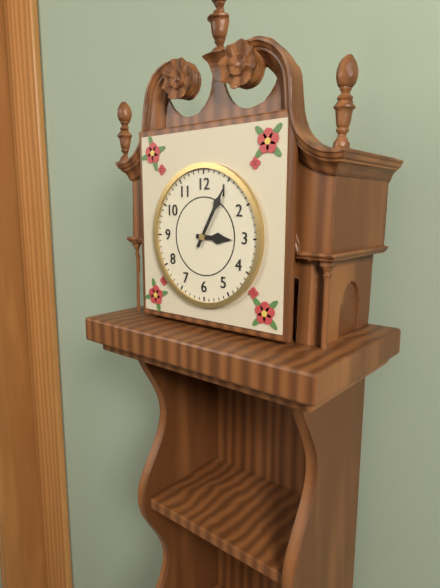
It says 3:05
